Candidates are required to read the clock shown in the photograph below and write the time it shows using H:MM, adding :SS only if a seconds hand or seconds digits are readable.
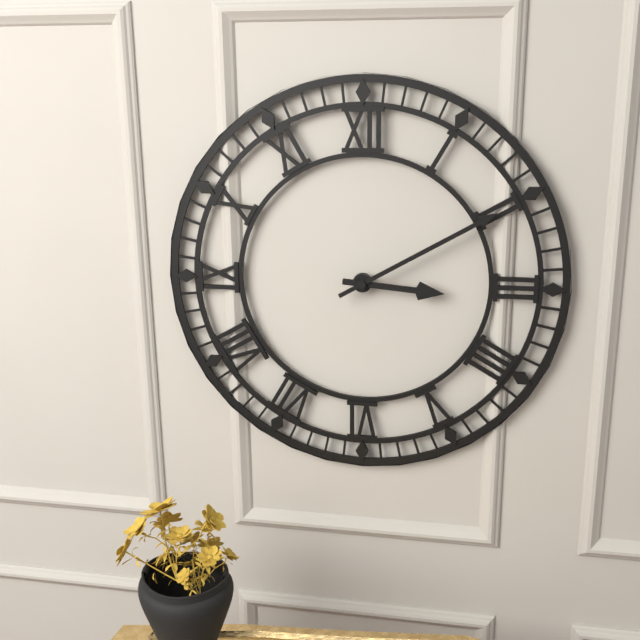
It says 3:10
